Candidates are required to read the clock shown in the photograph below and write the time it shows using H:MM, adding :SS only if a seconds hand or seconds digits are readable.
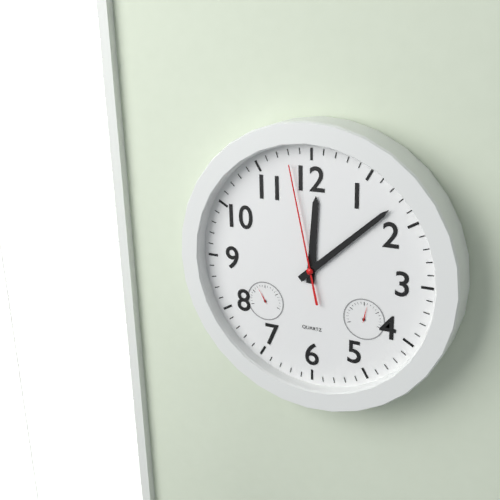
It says 12:08:58
